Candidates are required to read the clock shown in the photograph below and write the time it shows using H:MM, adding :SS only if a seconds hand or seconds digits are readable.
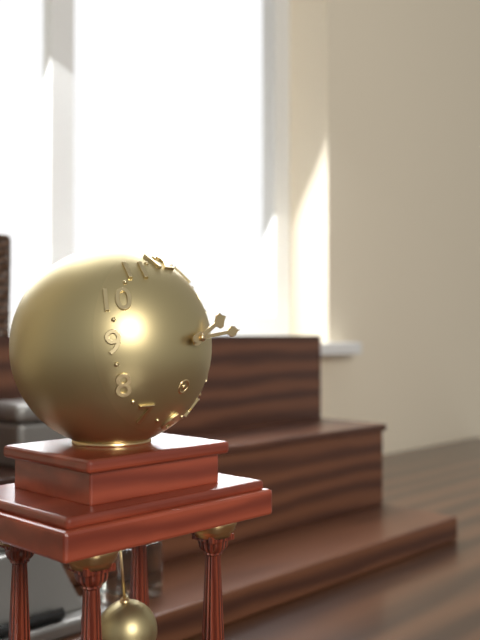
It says 2:14
